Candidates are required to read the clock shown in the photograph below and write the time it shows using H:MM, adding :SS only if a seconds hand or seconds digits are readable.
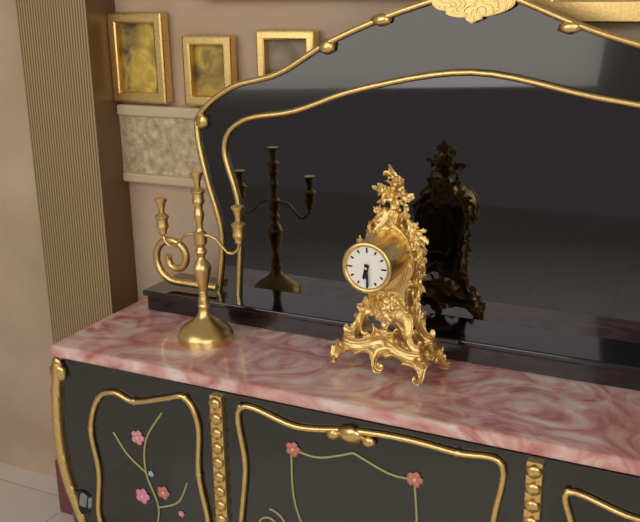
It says 6:29
